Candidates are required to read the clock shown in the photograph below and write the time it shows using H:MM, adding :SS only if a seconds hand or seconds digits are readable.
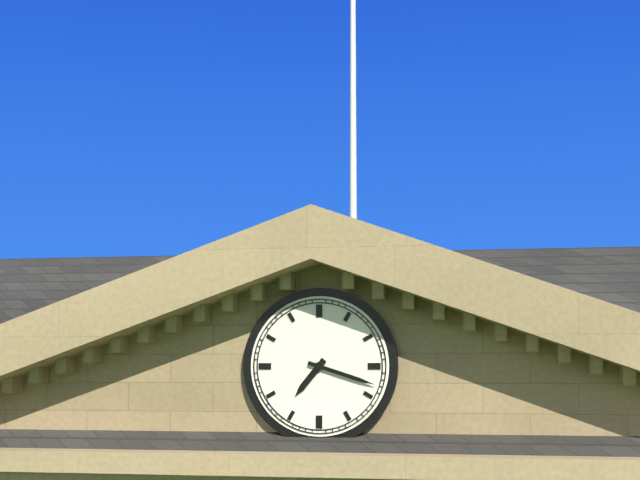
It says 7:18
